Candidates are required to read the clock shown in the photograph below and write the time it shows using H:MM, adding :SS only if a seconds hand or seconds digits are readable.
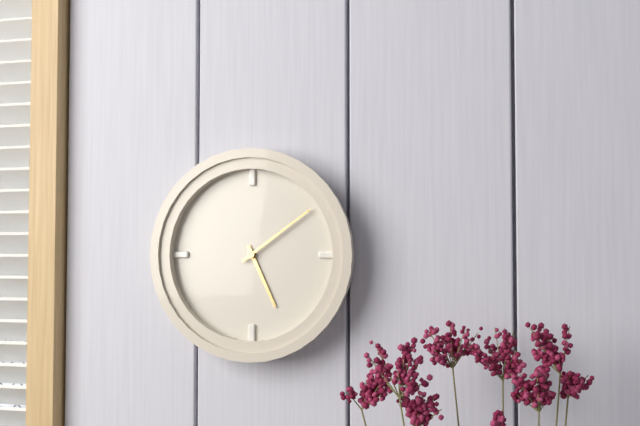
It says 5:09
